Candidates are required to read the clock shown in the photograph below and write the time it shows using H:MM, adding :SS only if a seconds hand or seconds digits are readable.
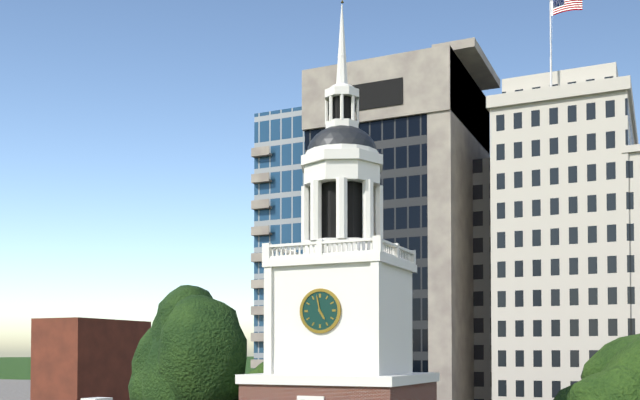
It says 4:58
